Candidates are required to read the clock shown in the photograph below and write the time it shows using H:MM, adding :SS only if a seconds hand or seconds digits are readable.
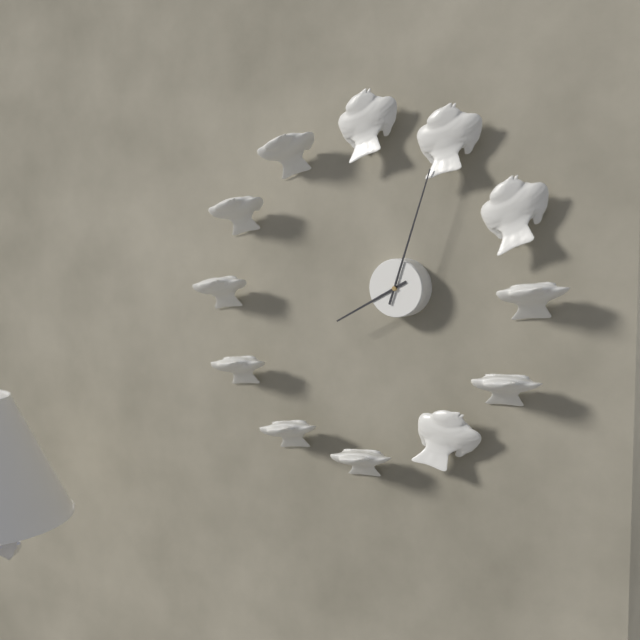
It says 8:03
